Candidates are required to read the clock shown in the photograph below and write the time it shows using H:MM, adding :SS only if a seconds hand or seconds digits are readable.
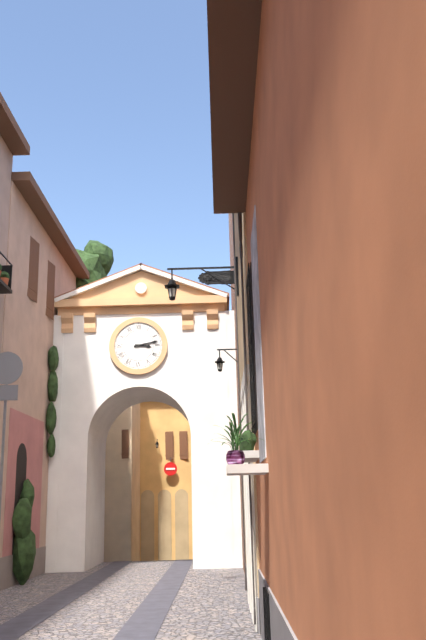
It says 3:13
